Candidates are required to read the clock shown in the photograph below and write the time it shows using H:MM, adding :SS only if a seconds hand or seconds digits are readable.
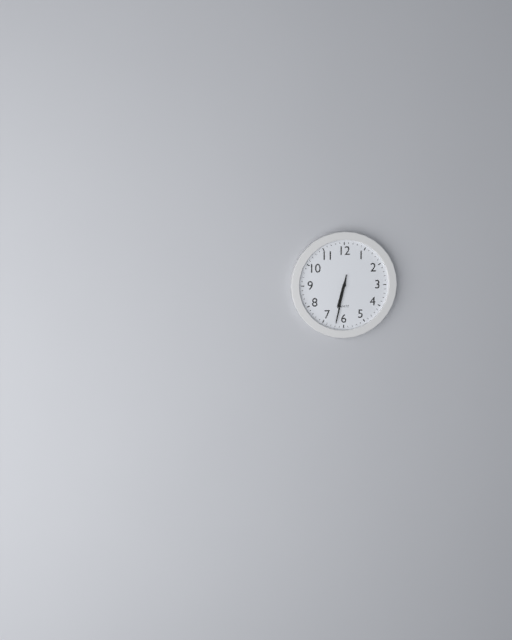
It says 6:32
